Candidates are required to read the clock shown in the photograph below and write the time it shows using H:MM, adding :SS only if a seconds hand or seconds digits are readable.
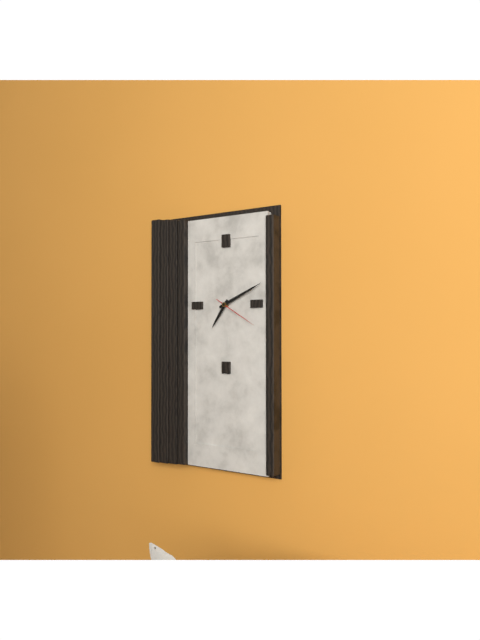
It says 7:11
